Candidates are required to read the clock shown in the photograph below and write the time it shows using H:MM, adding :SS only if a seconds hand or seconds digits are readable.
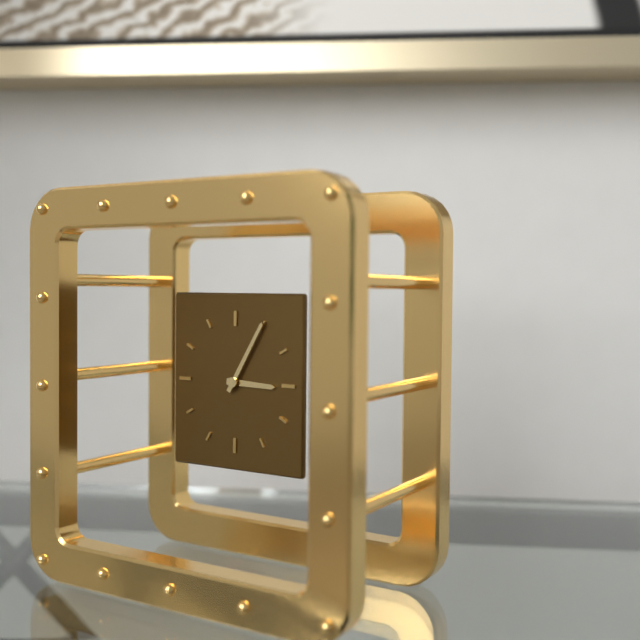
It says 3:05
